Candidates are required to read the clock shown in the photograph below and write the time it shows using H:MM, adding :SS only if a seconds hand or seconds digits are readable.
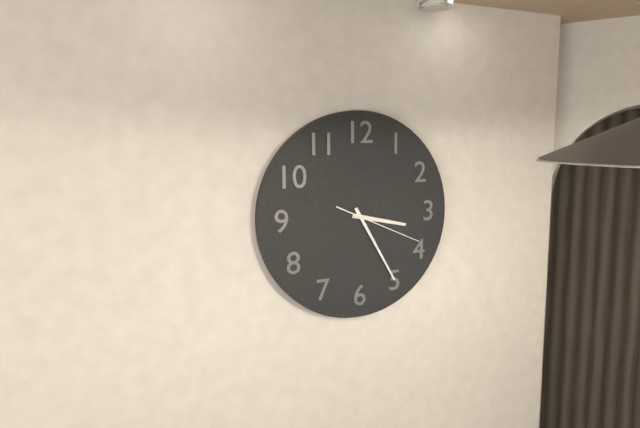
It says 3:25:19
